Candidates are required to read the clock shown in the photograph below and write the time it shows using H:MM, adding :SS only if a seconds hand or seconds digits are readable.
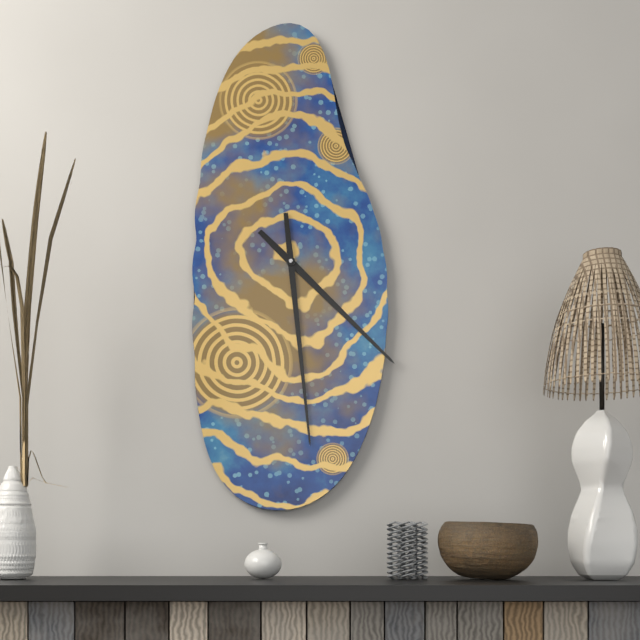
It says 4:29
